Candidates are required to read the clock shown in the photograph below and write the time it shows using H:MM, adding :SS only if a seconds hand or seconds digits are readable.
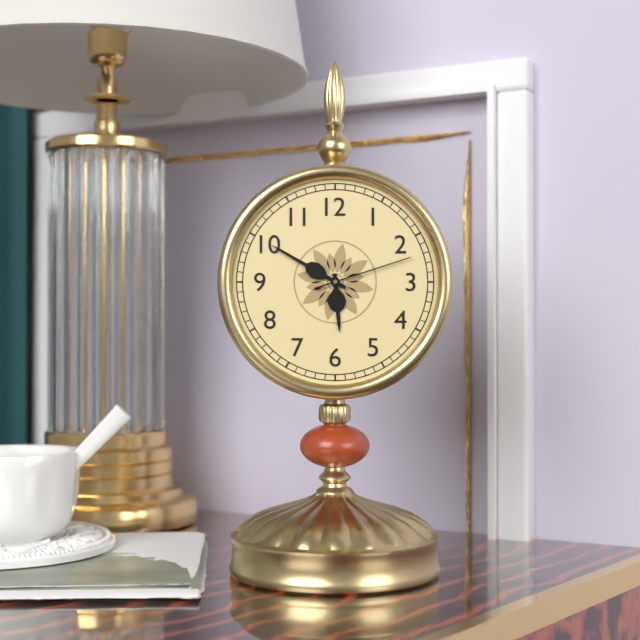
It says 5:50:12
